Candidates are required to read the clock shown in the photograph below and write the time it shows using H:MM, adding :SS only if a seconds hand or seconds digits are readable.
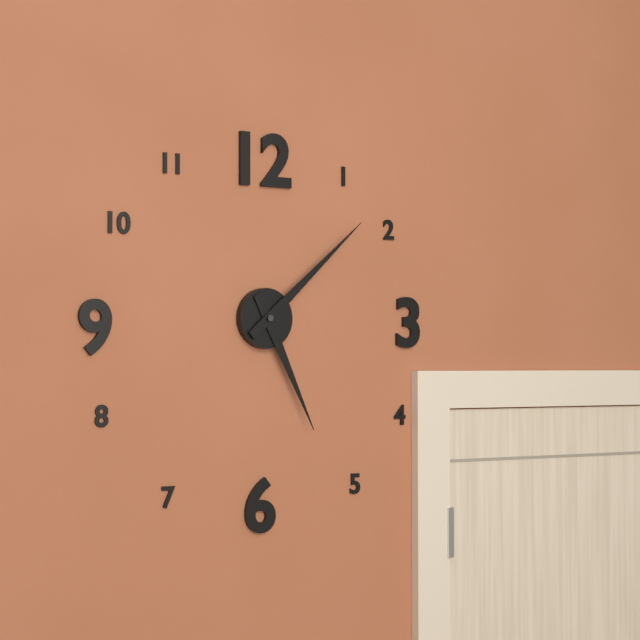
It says 5:08
